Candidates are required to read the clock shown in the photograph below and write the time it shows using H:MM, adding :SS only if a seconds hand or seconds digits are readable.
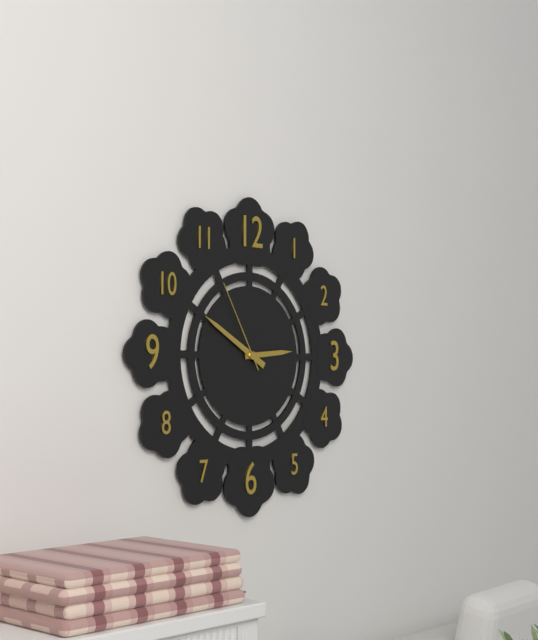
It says 2:50:55
